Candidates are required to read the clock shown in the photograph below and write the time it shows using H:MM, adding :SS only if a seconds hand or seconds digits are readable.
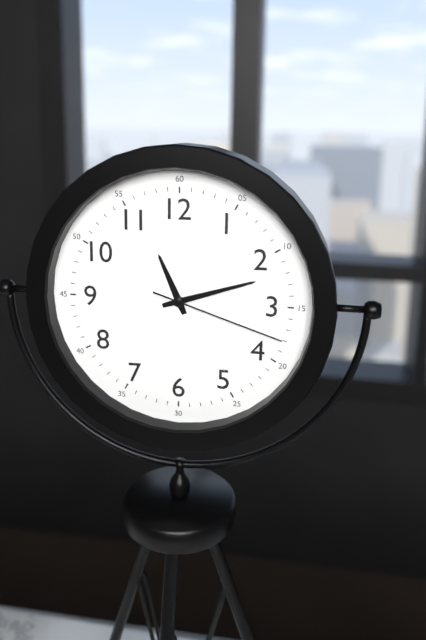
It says 11:12:18
